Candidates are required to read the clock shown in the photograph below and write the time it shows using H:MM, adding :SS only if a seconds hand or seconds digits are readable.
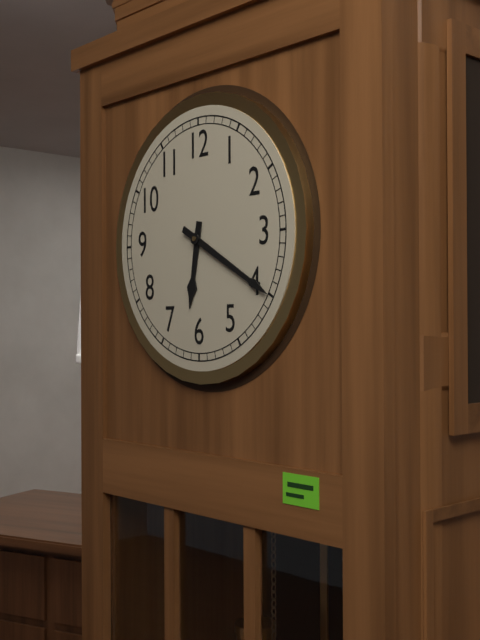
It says 6:20
